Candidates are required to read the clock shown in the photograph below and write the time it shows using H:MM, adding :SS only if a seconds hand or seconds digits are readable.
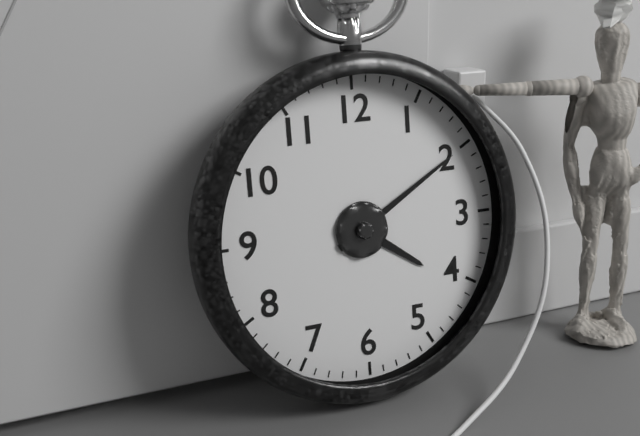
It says 4:10
